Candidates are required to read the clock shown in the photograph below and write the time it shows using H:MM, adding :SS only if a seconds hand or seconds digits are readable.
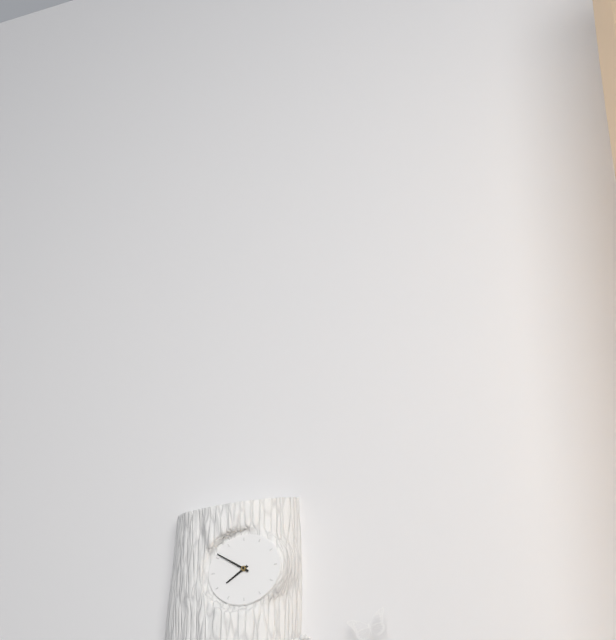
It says 7:51
